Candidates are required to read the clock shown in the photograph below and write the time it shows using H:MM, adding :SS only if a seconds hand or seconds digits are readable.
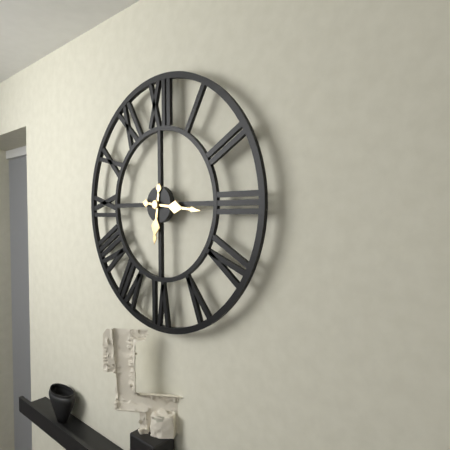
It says 6:16
